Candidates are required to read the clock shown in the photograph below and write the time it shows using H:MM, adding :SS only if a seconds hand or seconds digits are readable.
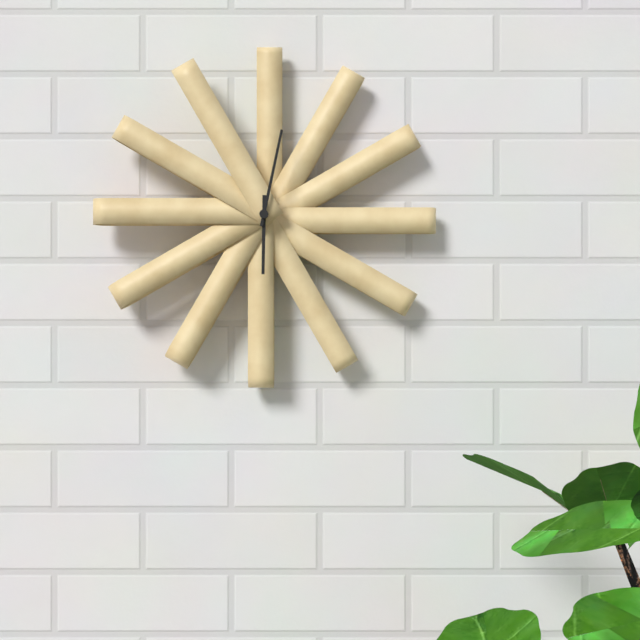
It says 6:02
